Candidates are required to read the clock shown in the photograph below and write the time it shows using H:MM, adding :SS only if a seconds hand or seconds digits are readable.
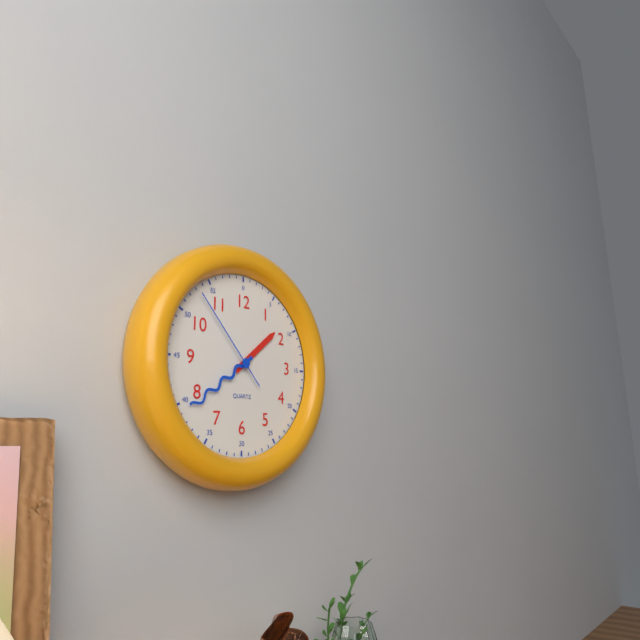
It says 1:39:53
